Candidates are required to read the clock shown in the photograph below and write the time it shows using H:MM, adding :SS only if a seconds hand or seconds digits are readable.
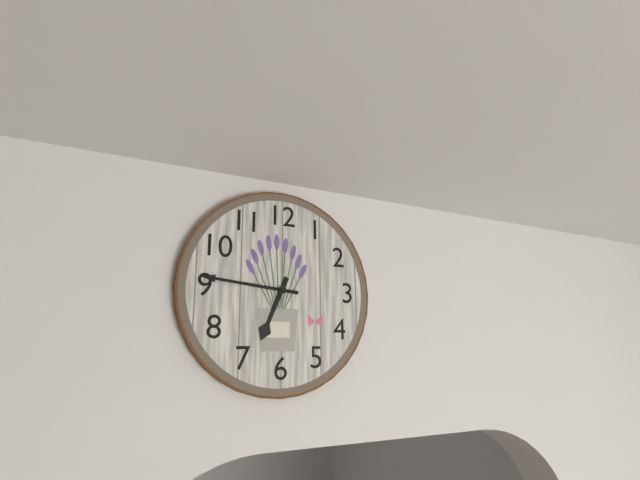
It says 6:46
